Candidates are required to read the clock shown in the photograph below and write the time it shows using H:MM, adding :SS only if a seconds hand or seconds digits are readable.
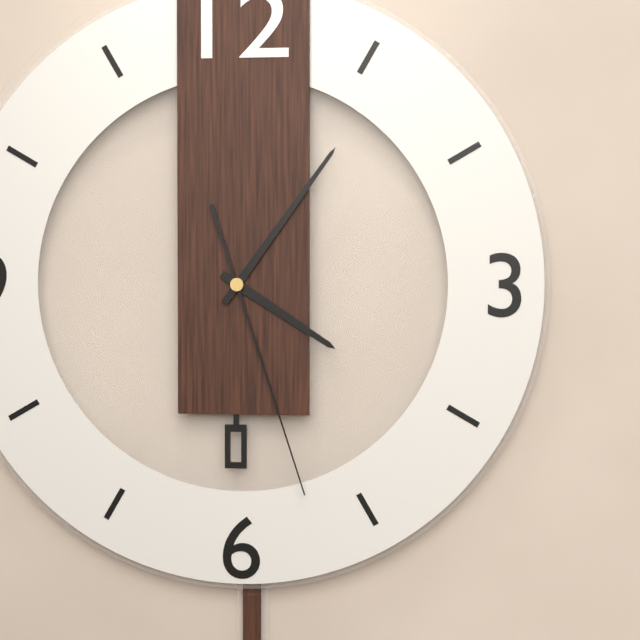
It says 4:06:27
